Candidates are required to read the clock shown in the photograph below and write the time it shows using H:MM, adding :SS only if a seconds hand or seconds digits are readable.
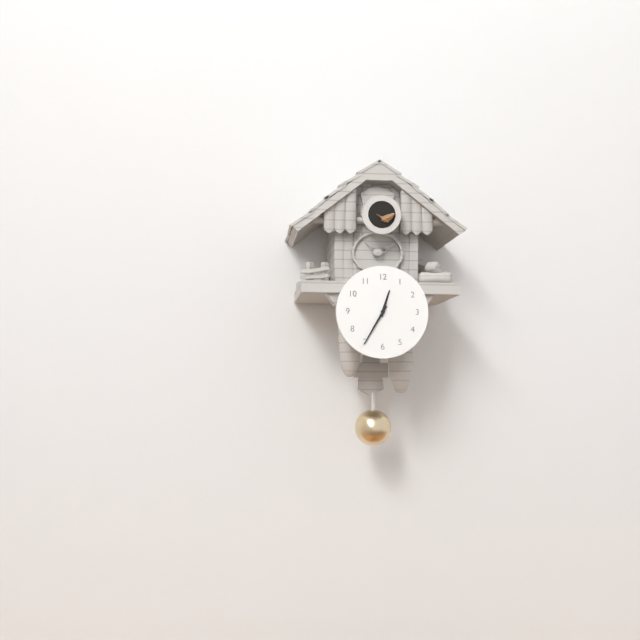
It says 12:35
